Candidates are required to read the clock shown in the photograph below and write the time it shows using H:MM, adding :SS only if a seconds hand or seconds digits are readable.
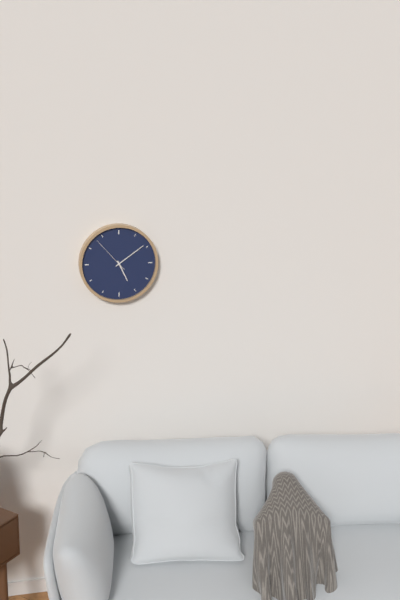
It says 5:09
